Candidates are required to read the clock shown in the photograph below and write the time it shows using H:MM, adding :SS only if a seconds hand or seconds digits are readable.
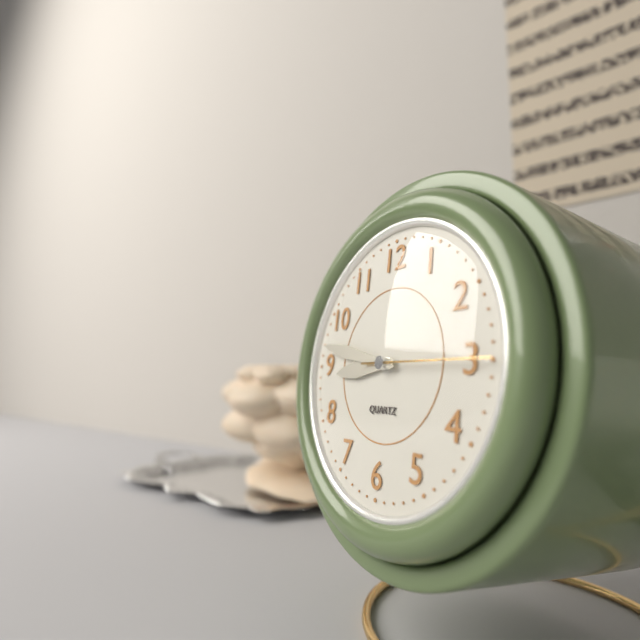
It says 8:47:15
